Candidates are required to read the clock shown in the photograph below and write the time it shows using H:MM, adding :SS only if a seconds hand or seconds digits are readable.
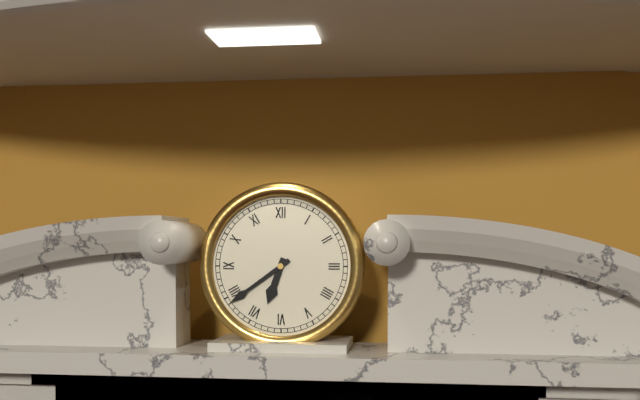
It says 6:39
